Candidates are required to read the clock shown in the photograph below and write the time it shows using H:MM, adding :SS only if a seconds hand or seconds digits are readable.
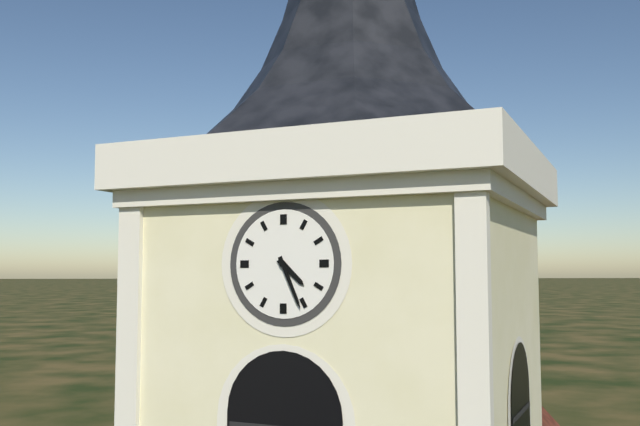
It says 4:26
